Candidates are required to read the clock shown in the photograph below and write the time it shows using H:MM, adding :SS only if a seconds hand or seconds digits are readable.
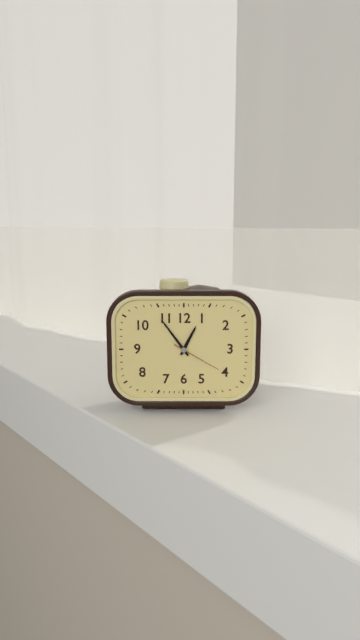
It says 12:54:20
